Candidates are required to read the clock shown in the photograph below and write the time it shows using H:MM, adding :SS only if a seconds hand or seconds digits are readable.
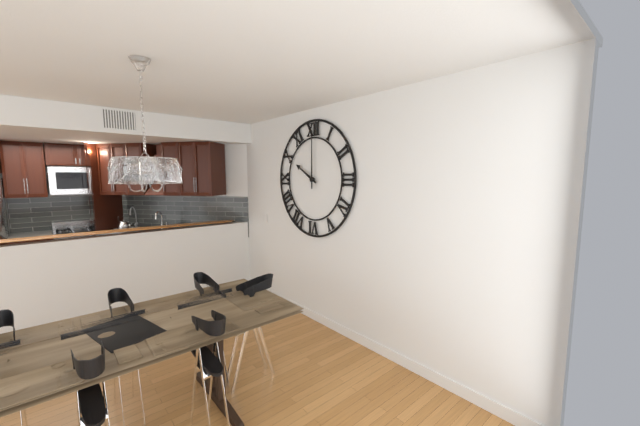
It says 10:00
